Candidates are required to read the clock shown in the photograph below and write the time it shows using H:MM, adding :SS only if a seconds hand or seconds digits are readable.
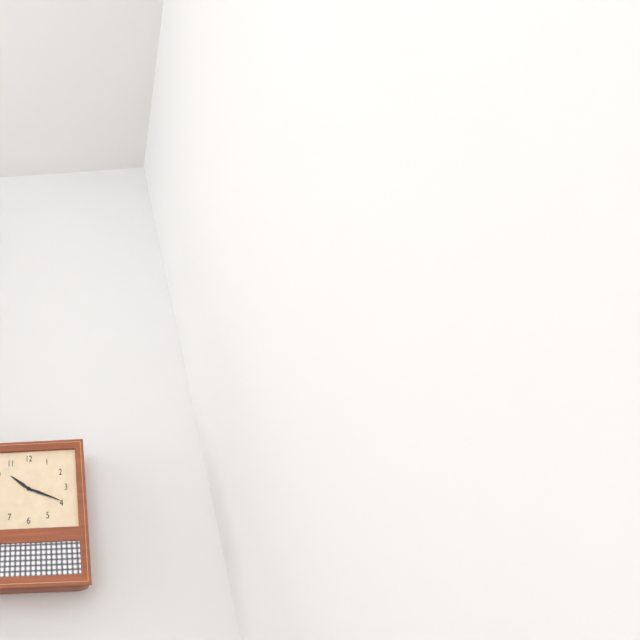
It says 10:19
